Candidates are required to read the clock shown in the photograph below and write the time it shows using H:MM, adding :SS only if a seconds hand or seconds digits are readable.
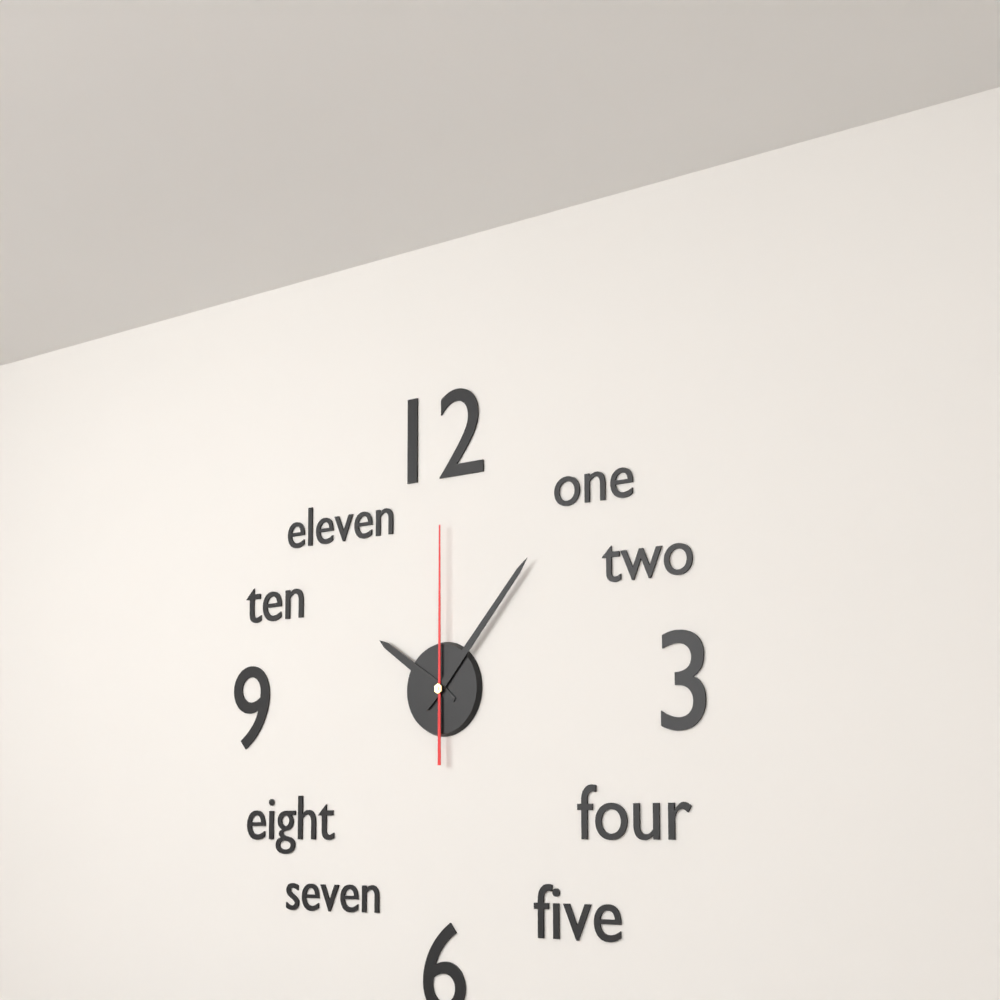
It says 10:07:00
